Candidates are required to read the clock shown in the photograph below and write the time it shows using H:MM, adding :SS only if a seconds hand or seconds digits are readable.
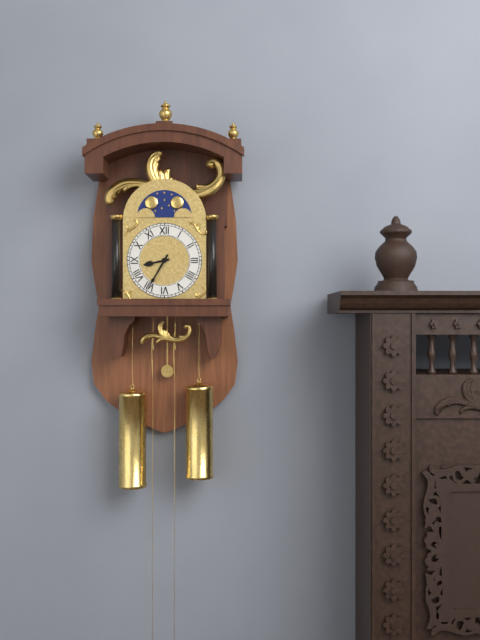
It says 8:35
